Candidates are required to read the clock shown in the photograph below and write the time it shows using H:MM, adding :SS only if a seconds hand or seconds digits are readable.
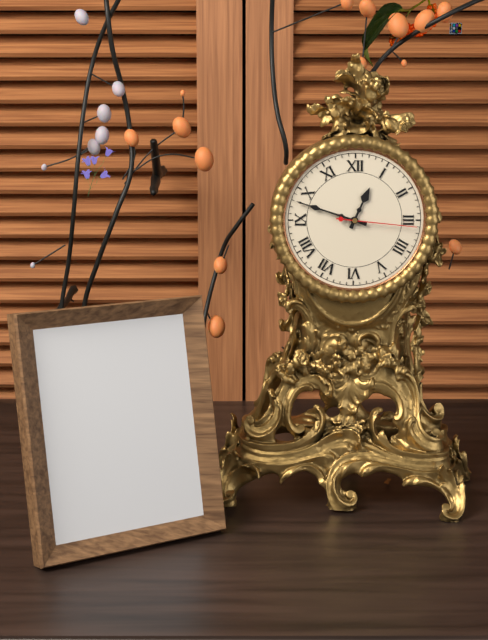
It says 12:48:16
